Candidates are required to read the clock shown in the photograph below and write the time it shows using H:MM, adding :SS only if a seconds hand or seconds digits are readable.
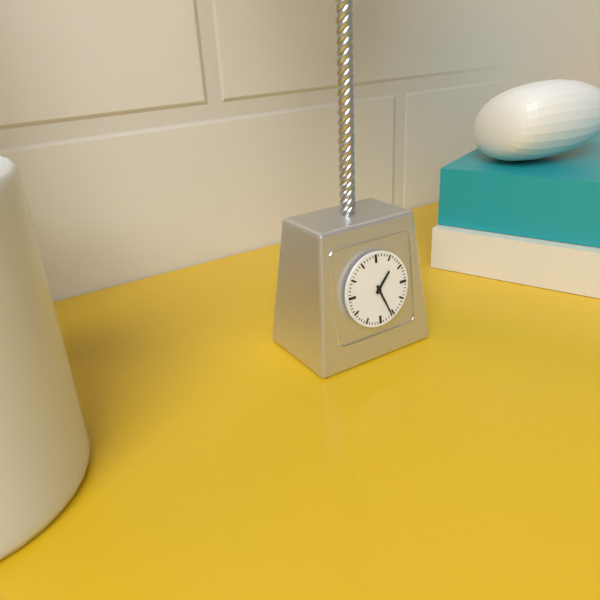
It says 1:26
